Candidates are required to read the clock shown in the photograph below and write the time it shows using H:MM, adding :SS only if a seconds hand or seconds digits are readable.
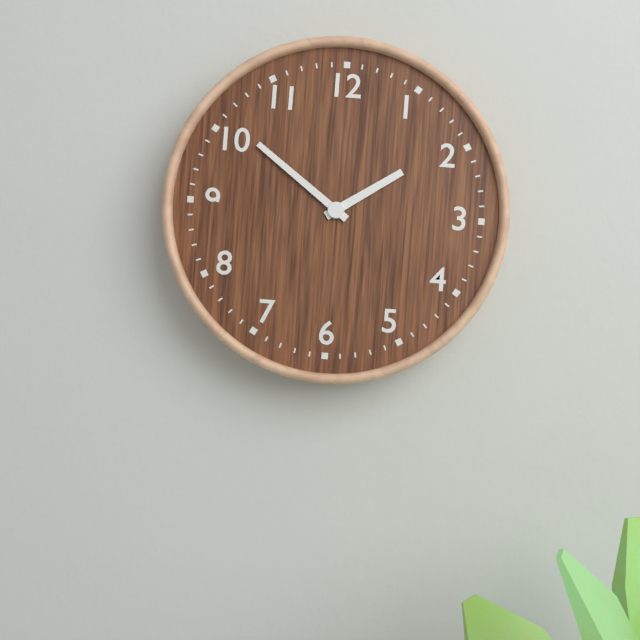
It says 1:51
